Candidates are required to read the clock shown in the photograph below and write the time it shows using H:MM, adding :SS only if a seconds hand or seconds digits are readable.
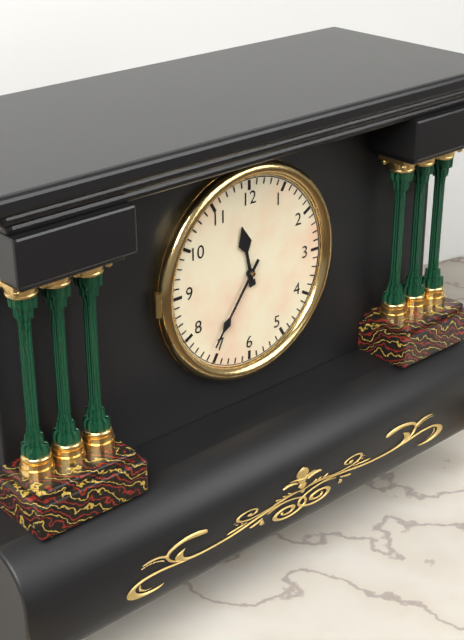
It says 11:36
